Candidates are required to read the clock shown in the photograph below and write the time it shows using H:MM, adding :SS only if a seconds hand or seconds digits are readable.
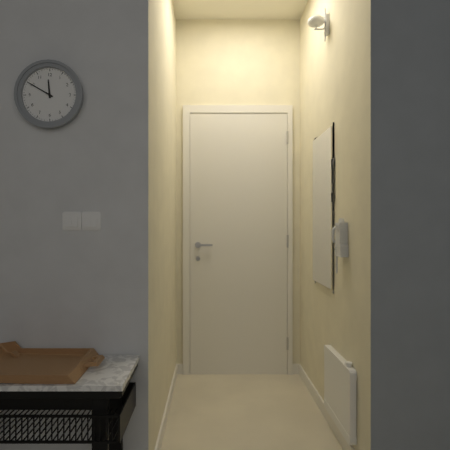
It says 11:50
